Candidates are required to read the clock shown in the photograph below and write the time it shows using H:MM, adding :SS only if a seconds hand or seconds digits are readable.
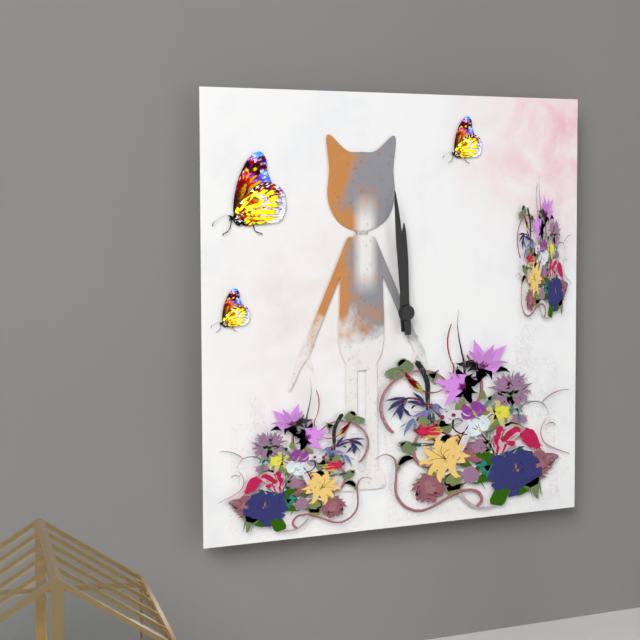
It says 11:59
